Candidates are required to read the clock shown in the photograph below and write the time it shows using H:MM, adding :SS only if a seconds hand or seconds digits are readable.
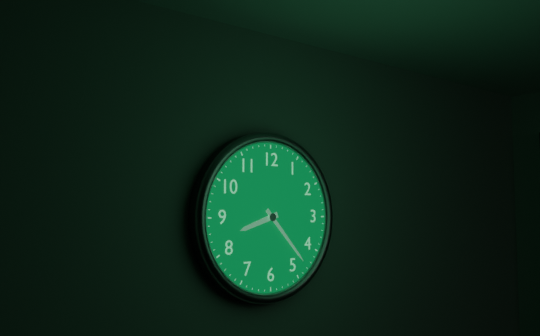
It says 8:23
